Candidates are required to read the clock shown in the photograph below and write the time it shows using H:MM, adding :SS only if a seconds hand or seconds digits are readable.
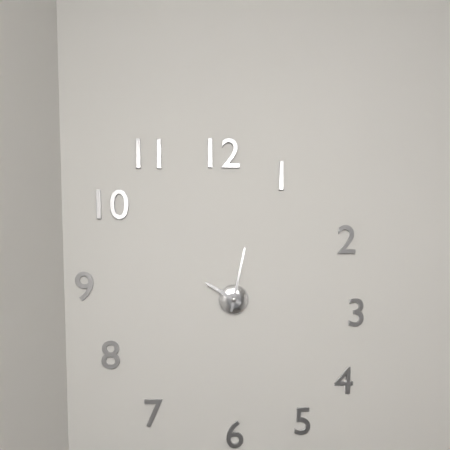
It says 10:02
